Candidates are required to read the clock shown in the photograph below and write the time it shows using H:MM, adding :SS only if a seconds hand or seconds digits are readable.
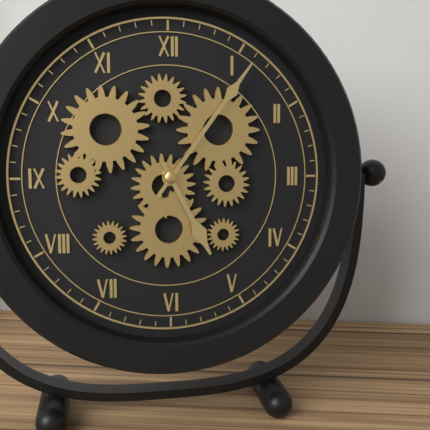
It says 5:06
